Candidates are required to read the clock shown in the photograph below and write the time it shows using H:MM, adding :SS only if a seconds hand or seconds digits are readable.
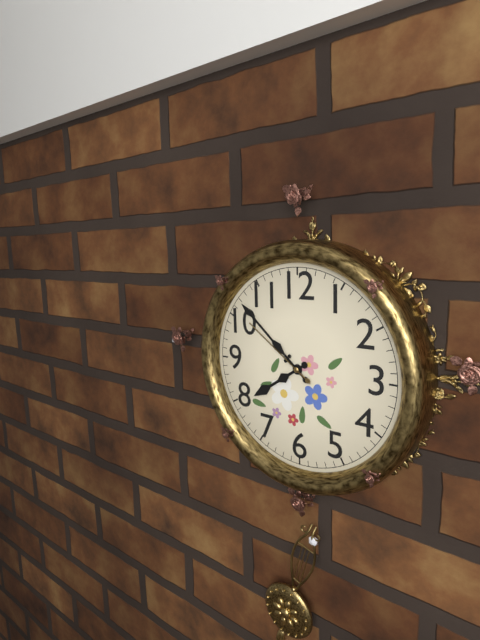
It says 7:52:51
